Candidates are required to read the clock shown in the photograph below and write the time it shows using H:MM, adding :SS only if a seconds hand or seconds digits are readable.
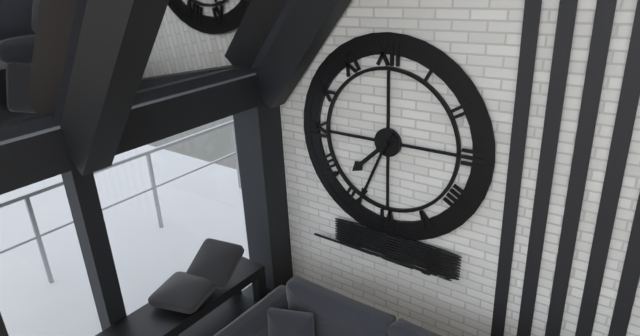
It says 7:34
